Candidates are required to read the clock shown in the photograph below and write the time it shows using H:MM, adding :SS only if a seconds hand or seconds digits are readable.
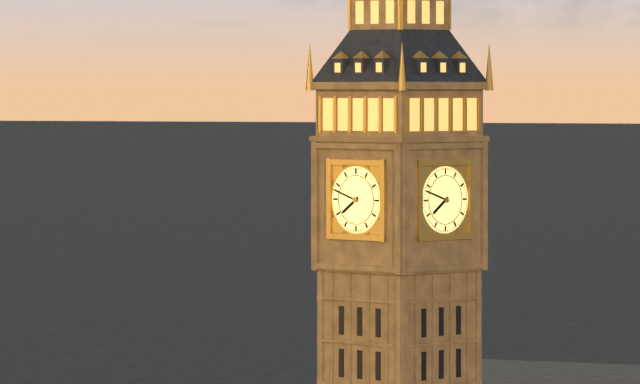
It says 7:48
